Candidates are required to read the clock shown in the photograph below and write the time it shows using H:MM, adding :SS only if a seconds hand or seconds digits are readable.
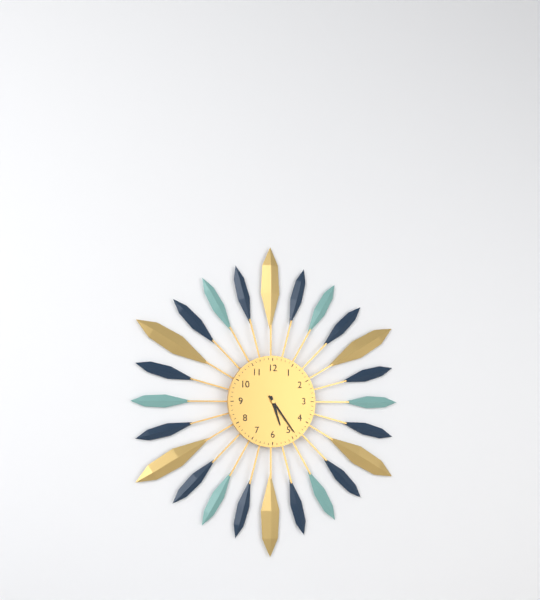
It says 5:24
